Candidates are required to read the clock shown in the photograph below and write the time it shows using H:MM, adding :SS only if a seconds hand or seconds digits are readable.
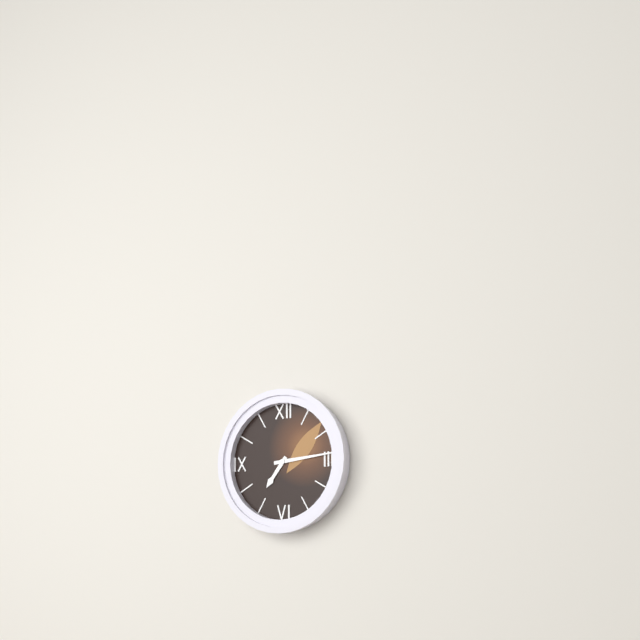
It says 7:14
